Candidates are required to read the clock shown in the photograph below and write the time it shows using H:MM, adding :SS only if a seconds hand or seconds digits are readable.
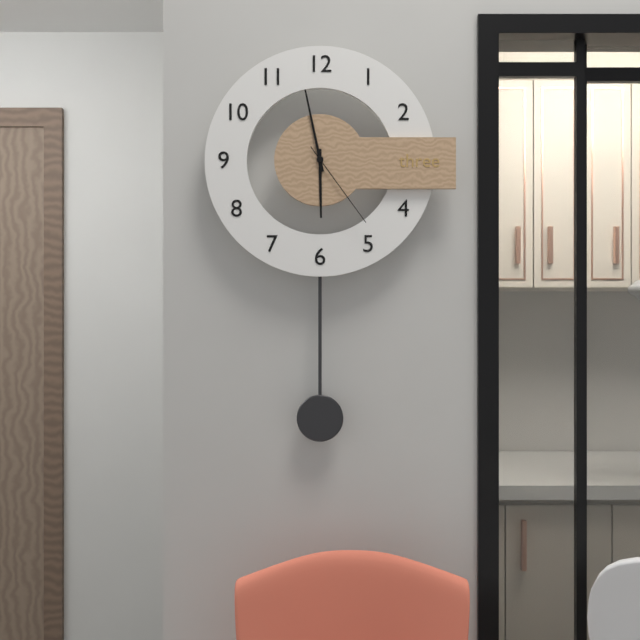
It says 5:58:24
